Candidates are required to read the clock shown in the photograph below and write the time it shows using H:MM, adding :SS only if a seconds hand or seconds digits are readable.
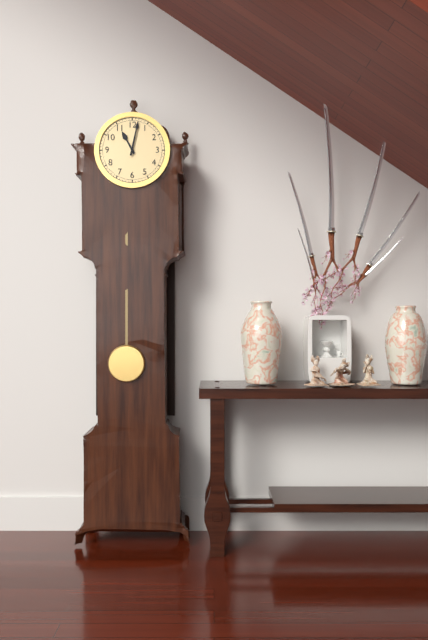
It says 11:02
